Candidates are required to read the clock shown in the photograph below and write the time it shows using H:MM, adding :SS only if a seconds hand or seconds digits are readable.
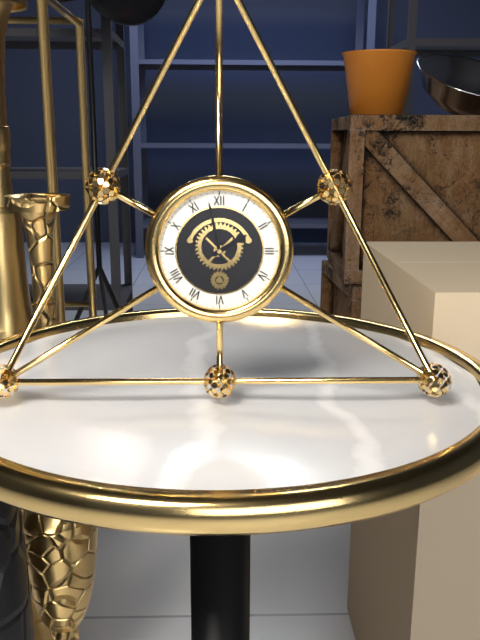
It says 1:58
